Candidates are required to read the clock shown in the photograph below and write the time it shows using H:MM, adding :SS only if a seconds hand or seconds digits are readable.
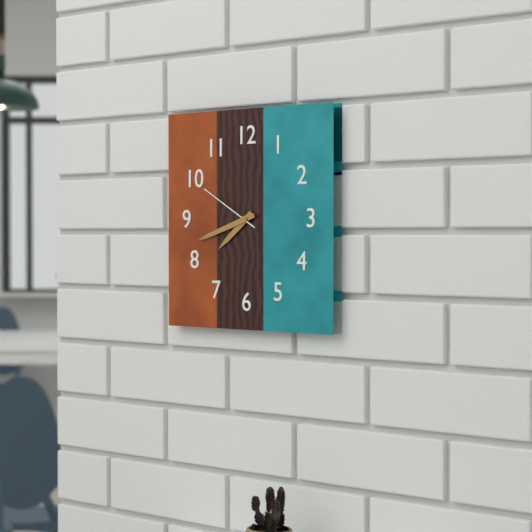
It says 7:42:50
